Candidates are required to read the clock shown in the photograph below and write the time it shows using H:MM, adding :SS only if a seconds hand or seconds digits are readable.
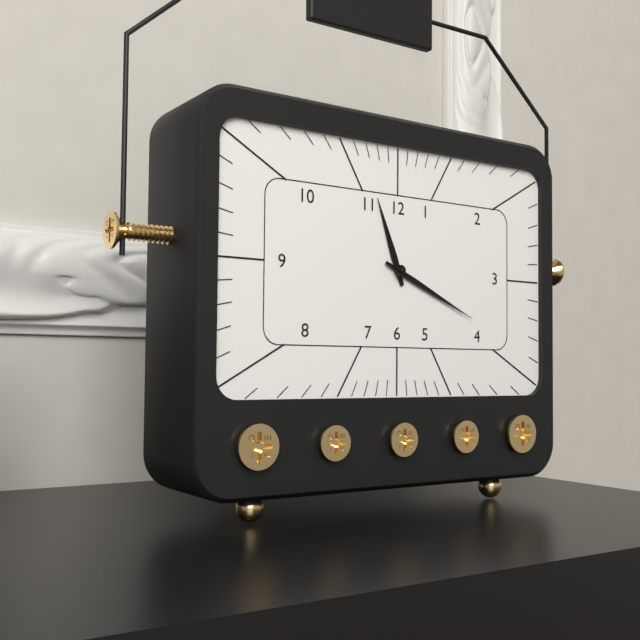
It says 11:19
